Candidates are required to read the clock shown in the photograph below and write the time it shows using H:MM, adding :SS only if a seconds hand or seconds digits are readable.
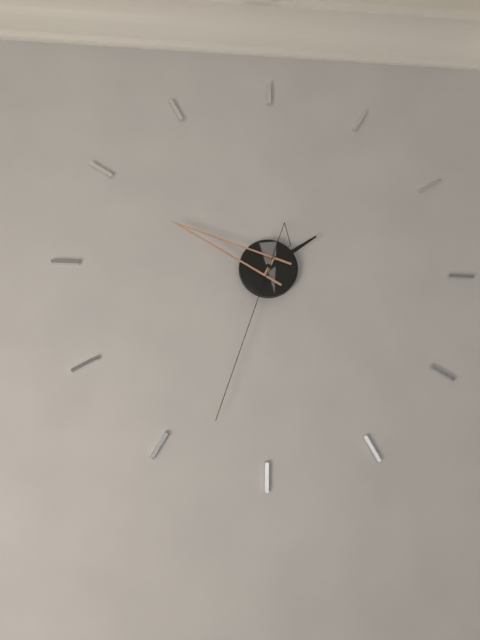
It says 1:49:33
